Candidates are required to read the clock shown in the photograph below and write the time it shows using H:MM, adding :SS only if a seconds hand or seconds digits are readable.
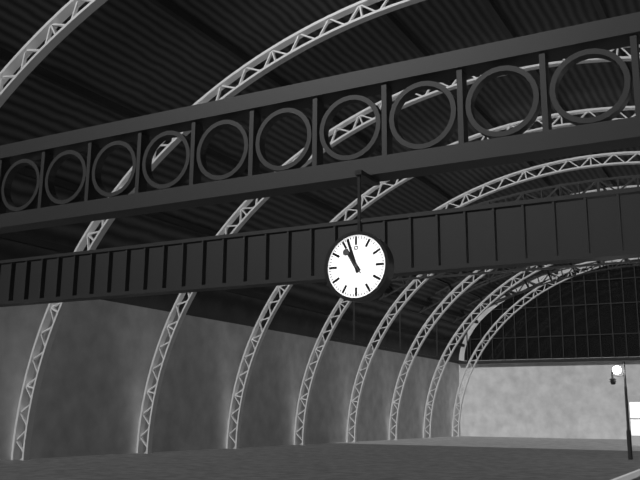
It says 10:57
